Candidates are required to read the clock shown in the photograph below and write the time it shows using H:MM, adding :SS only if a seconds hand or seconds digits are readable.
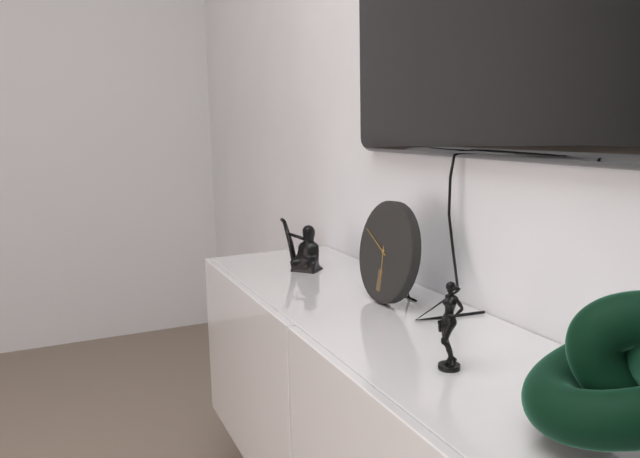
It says 5:49
